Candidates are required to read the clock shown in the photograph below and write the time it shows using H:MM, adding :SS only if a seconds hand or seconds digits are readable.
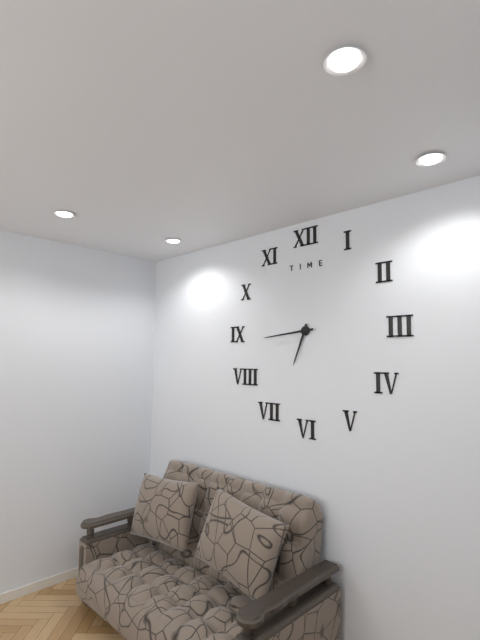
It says 6:44
